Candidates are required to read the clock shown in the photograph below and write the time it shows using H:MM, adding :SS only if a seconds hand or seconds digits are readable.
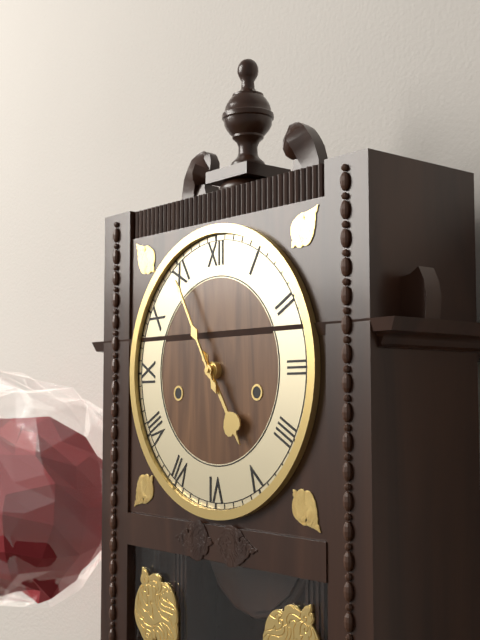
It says 4:55
